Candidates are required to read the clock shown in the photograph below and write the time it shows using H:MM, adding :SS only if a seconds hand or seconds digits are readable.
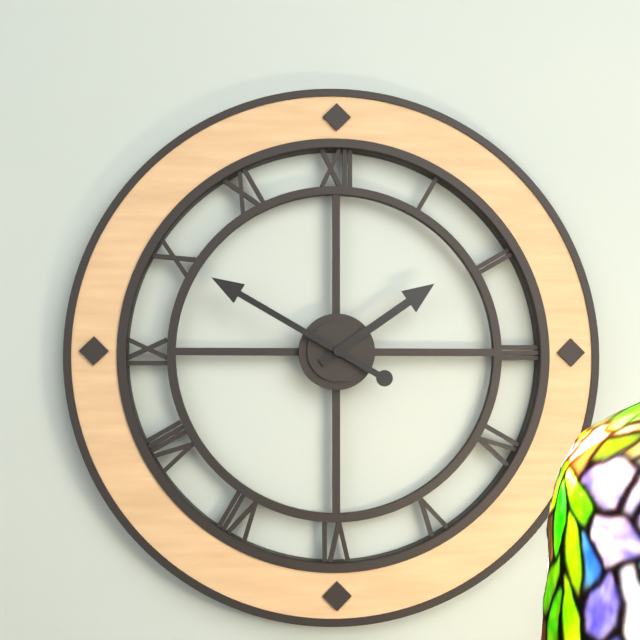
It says 1:50
